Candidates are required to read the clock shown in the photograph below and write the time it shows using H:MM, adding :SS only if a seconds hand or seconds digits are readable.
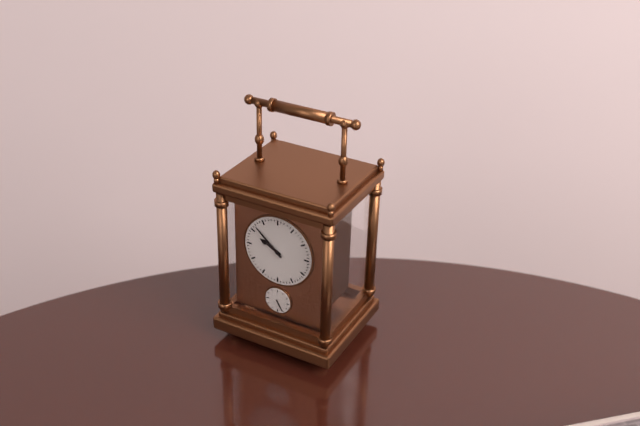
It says 9:52
